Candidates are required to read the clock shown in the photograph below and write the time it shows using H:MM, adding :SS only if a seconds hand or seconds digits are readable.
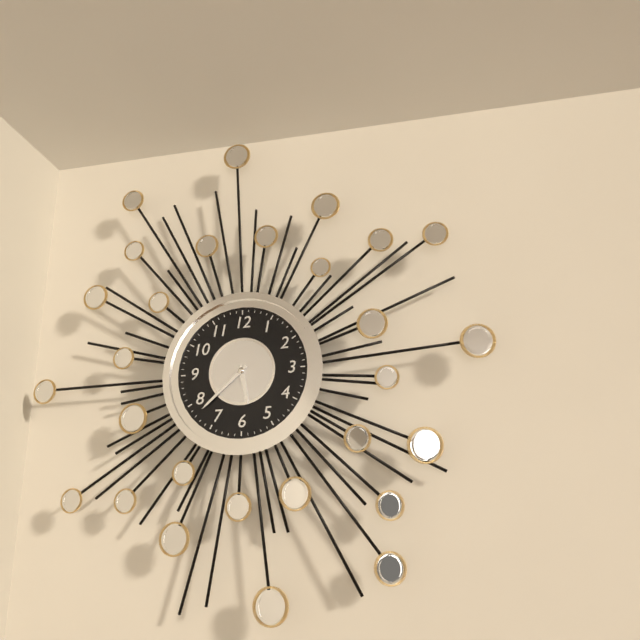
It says 5:38
